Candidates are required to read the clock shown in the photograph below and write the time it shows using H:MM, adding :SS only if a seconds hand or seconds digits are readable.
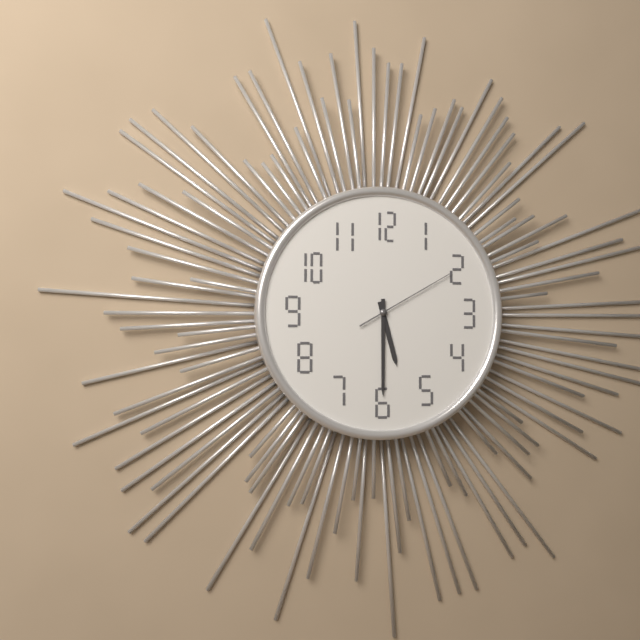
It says 5:30:10
